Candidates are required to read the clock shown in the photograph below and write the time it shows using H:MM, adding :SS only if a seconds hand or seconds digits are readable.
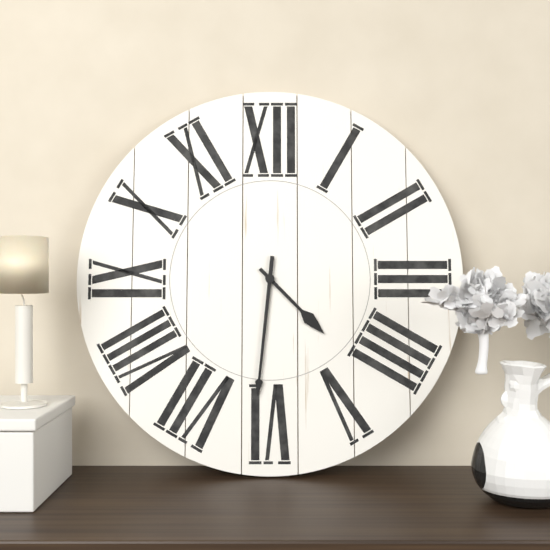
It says 4:31
